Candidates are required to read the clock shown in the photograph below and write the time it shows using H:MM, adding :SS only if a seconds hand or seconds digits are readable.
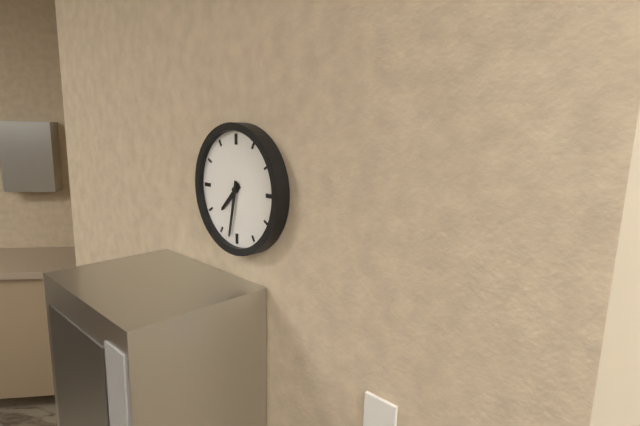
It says 7:32
